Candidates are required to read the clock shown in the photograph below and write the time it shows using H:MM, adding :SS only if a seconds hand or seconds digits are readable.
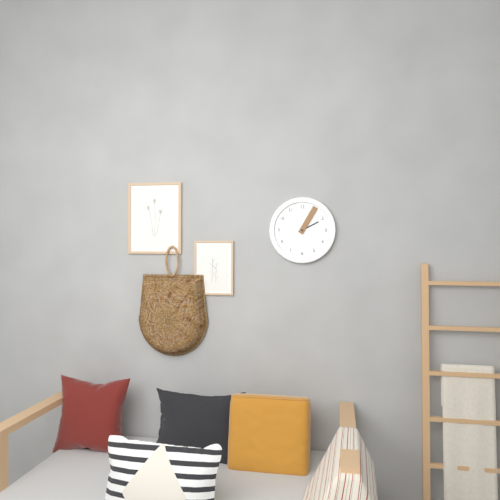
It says 2:05
